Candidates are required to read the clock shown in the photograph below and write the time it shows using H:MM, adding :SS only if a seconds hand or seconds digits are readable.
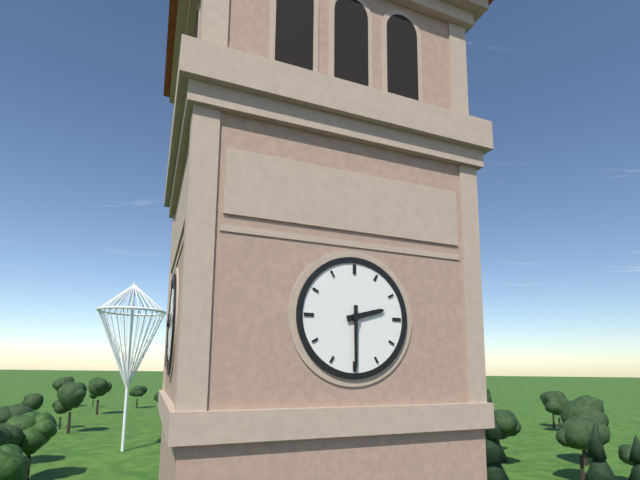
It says 2:30
